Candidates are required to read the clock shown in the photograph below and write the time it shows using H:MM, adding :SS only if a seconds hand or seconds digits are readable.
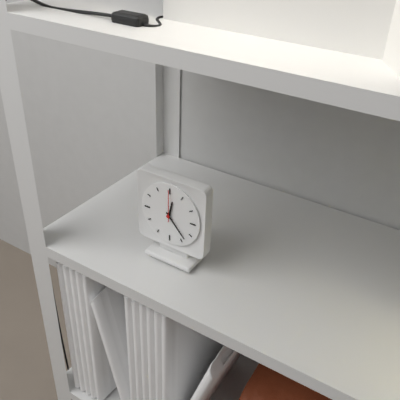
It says 12:23
